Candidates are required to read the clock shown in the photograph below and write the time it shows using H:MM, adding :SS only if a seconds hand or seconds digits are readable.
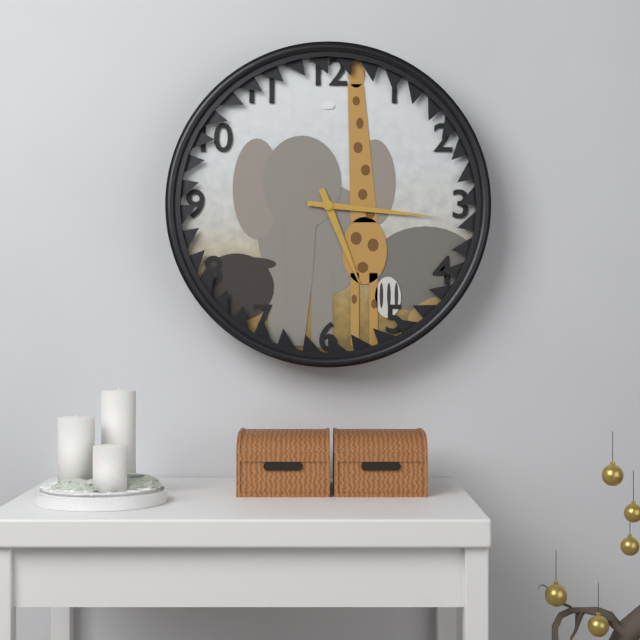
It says 5:16
